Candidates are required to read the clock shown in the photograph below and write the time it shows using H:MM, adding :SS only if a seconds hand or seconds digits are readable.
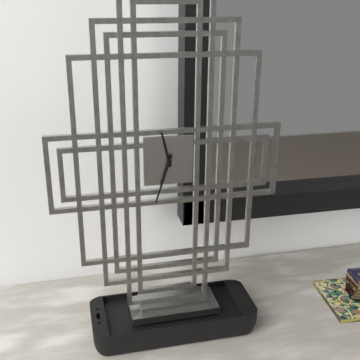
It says 11:33
